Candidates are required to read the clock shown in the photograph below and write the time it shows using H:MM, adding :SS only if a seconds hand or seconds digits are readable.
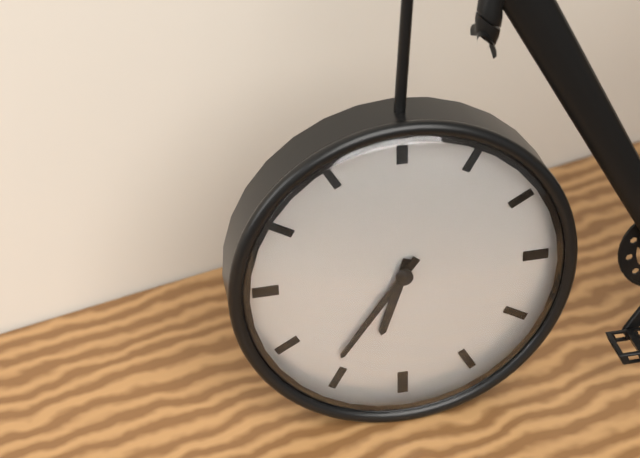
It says 6:36
